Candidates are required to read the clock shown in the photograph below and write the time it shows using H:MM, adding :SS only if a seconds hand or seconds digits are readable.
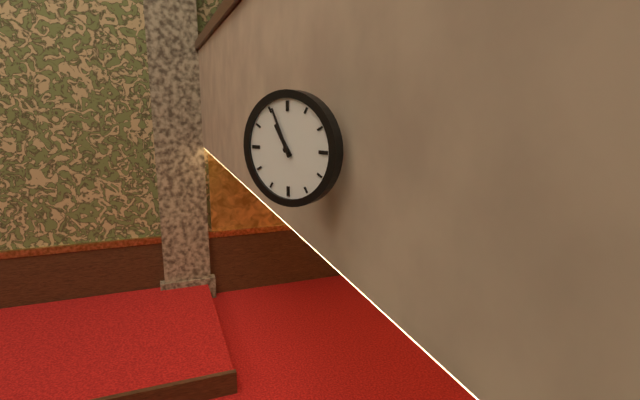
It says 10:56
